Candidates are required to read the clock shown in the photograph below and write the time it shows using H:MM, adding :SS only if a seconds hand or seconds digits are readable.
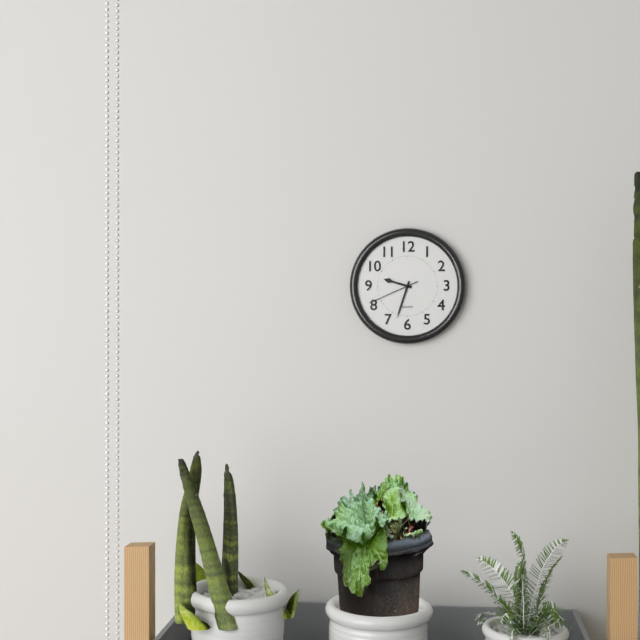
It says 9:33:41
